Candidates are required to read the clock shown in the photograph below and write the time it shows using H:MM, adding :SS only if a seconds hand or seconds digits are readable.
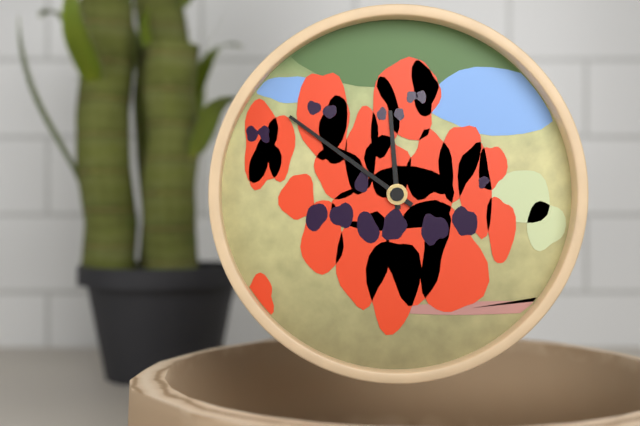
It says 11:51
